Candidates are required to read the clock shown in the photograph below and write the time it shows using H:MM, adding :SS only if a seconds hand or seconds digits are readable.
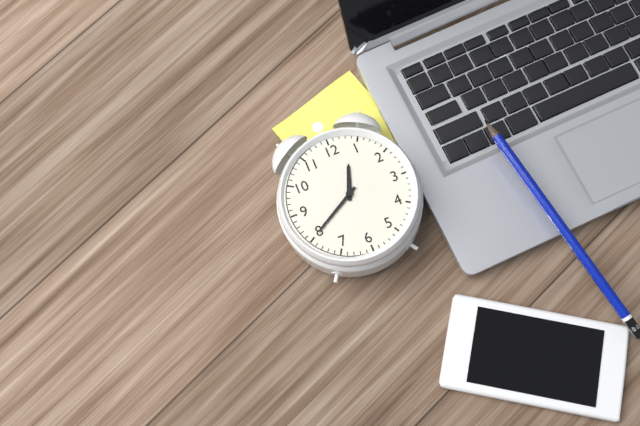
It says 12:40
